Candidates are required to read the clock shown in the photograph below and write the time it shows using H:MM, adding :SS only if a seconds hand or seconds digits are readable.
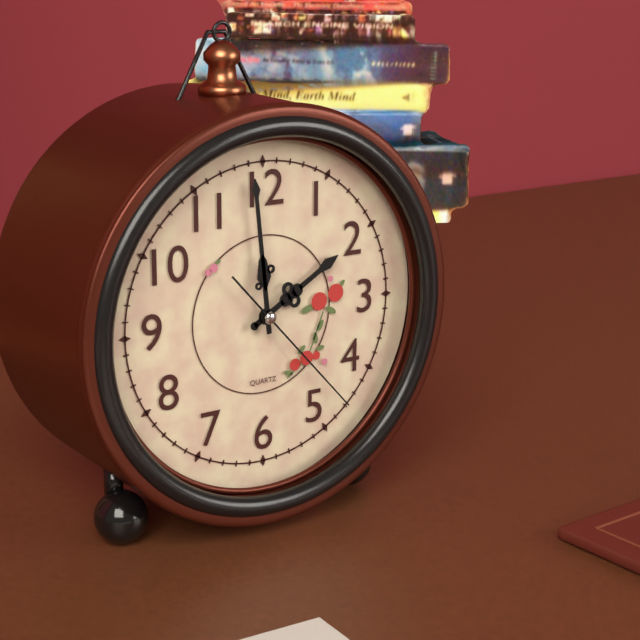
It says 1:59:23
